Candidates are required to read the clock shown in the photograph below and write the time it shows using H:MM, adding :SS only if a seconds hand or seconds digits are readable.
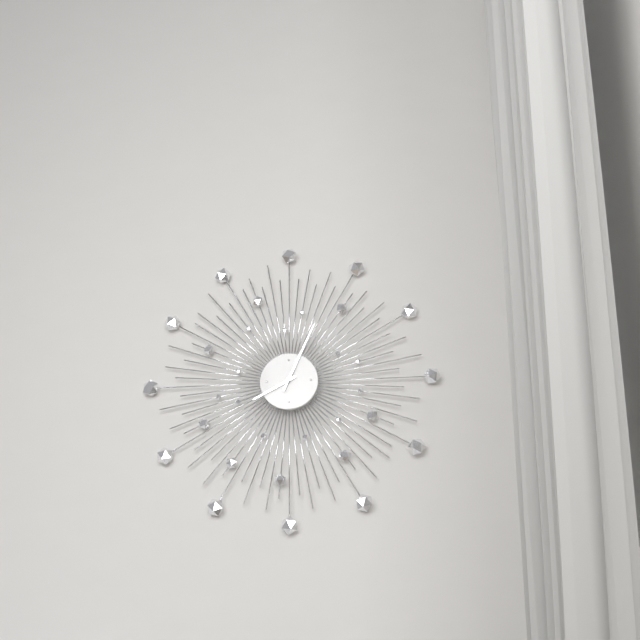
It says 8:04
